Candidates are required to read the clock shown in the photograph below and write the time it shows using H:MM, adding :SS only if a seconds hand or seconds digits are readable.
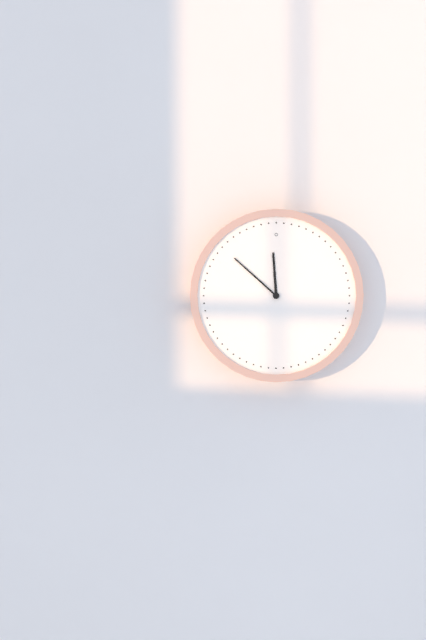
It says 11:52
